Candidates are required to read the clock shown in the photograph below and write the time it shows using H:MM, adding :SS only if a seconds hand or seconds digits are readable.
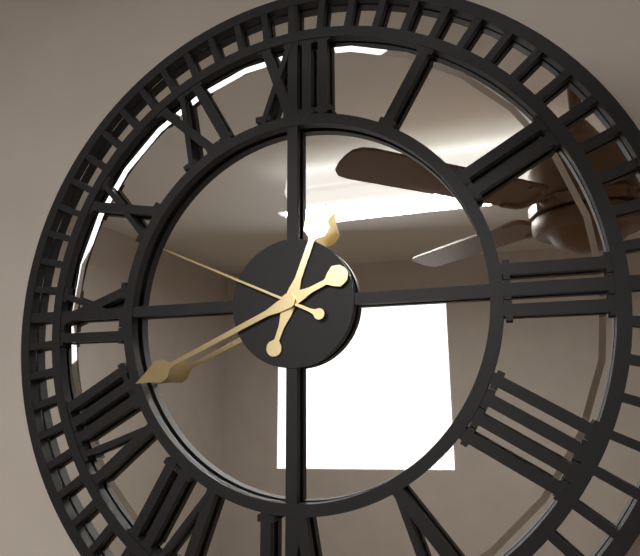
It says 12:41:49
